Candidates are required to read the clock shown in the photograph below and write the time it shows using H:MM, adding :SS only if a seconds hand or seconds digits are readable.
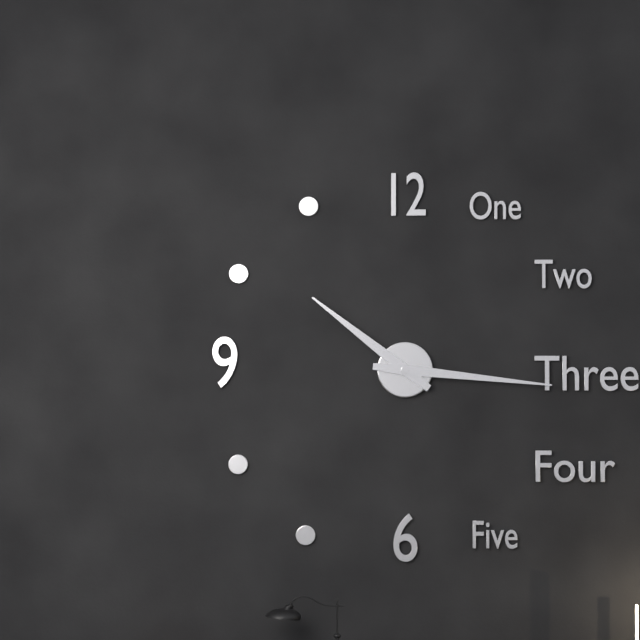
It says 10:16
